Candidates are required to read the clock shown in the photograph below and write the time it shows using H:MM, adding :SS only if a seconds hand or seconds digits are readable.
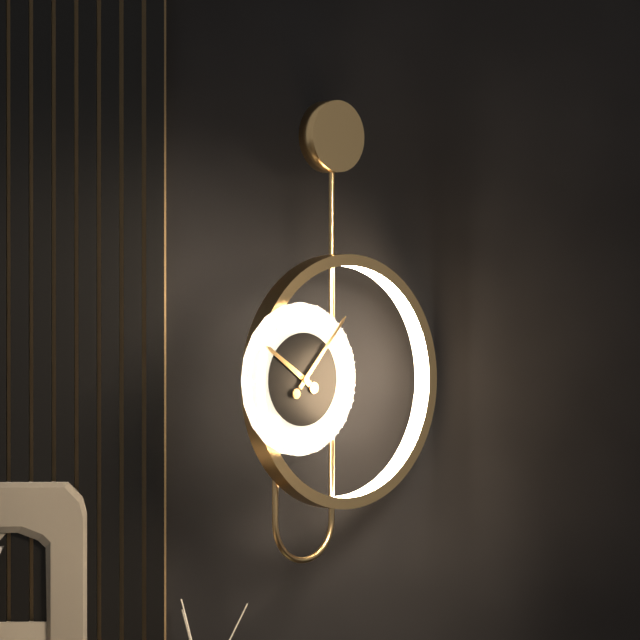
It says 10:07
